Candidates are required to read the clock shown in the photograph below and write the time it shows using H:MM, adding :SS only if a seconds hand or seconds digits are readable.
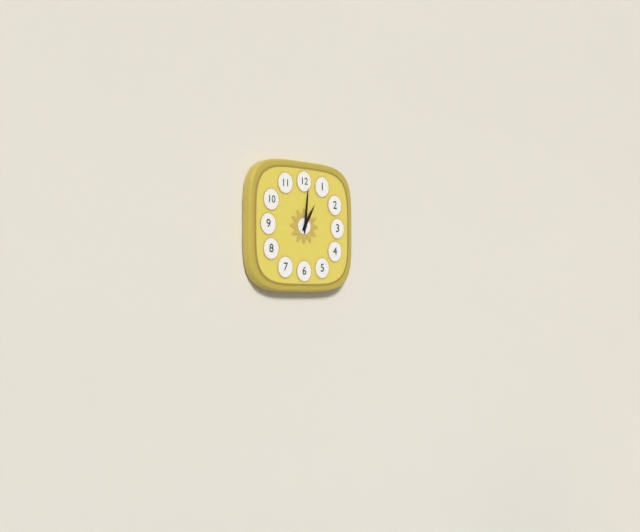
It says 1:01
